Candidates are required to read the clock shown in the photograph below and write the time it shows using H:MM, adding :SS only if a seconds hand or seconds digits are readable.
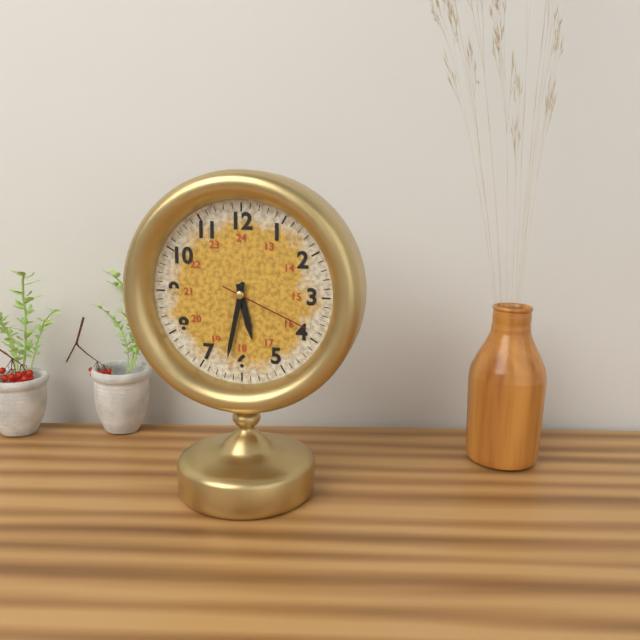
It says 5:32:19
